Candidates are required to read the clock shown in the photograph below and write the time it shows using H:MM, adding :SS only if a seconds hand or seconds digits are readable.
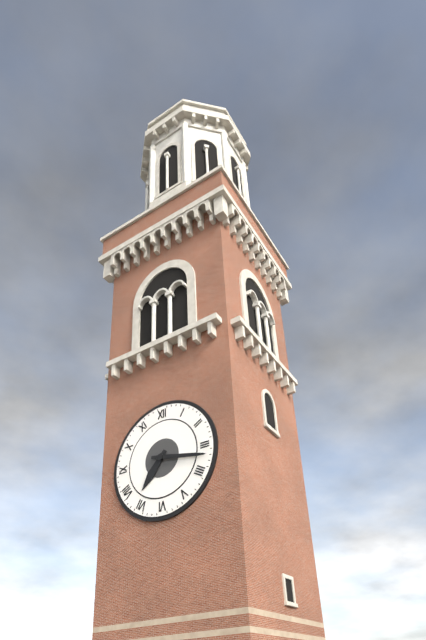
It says 7:17
